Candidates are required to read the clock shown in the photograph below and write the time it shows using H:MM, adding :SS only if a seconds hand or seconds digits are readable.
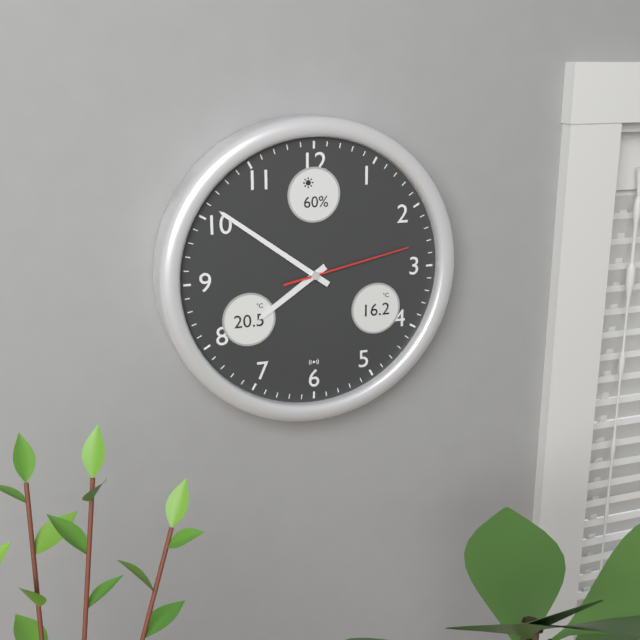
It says 7:51:13
